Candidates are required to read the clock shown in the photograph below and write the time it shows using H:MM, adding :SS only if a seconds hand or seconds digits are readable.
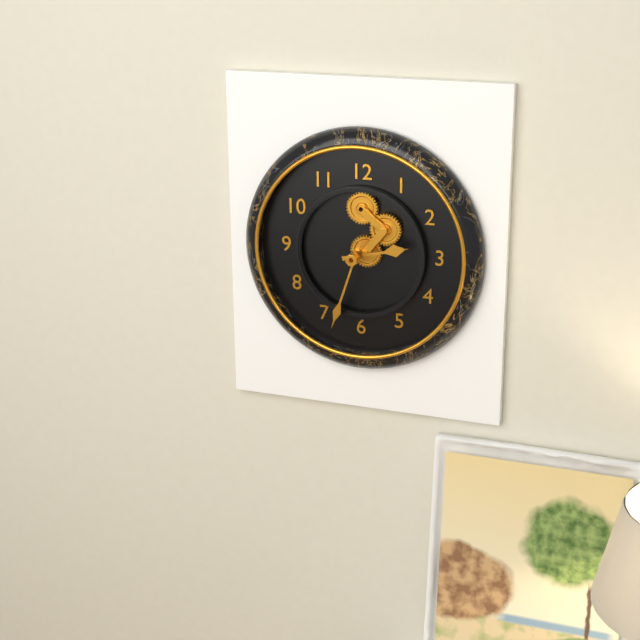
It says 2:33
